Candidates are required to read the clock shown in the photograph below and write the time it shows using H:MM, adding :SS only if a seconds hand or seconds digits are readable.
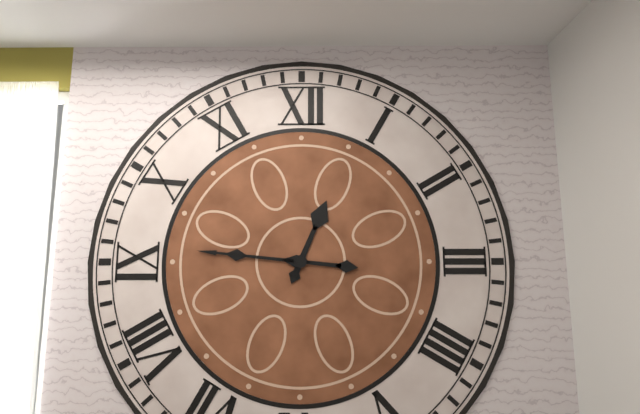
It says 12:46
